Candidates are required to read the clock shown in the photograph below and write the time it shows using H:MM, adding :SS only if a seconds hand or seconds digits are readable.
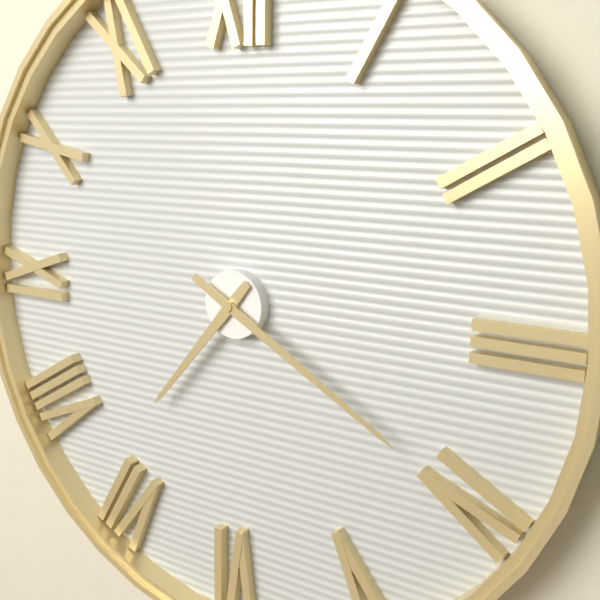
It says 7:20
